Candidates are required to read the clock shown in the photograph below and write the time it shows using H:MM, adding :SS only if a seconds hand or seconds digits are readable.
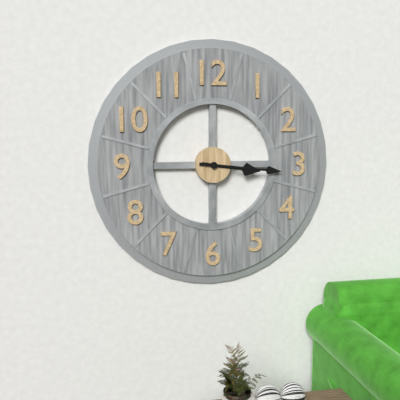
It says 3:16
